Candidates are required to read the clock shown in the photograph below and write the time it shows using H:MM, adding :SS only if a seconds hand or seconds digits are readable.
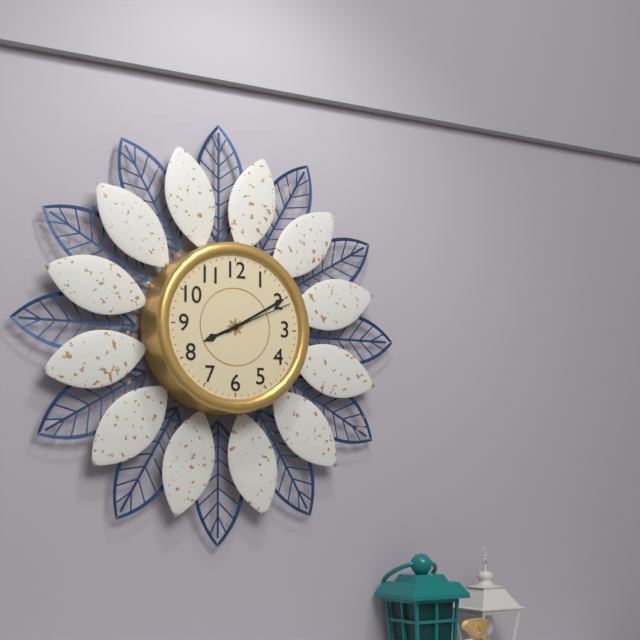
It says 8:10:11
